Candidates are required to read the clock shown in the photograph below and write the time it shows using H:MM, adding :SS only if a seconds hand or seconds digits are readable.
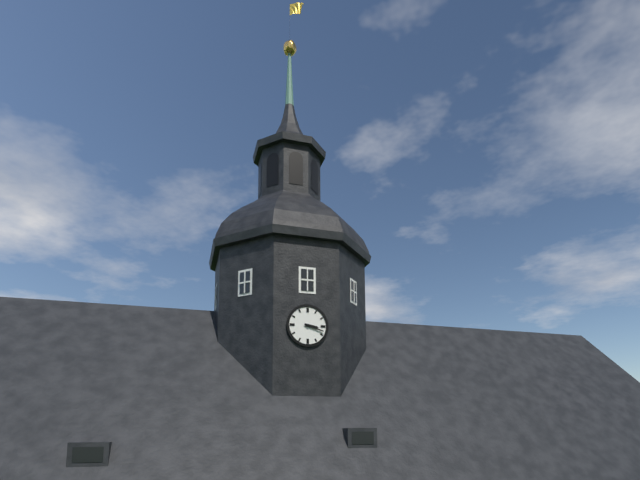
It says 3:18
